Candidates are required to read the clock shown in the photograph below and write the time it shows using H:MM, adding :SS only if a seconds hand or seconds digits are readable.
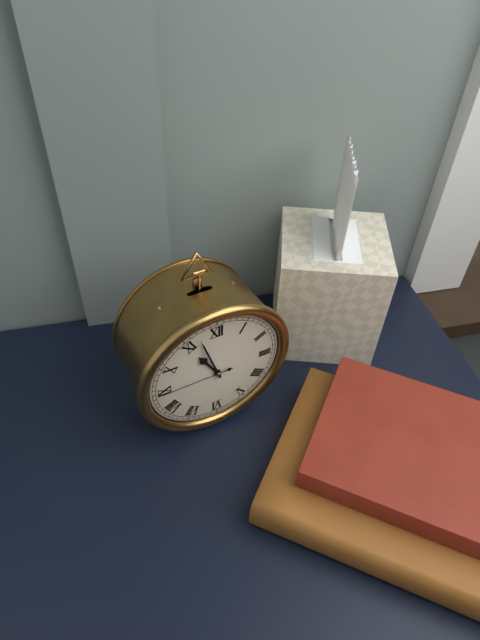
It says 10:57:45
